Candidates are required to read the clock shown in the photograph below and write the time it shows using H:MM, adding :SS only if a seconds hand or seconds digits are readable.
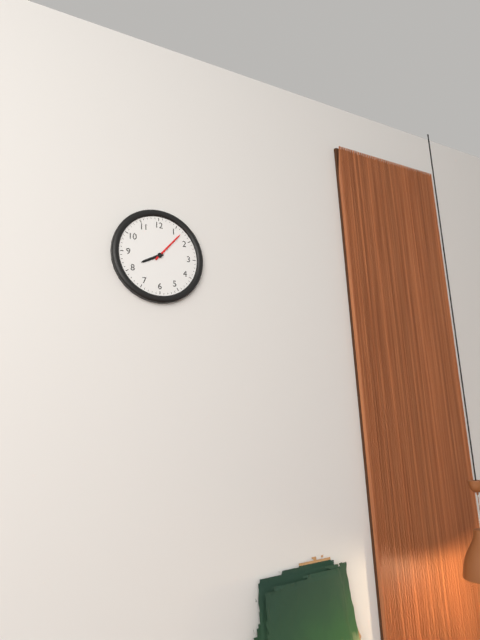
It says 8:07
